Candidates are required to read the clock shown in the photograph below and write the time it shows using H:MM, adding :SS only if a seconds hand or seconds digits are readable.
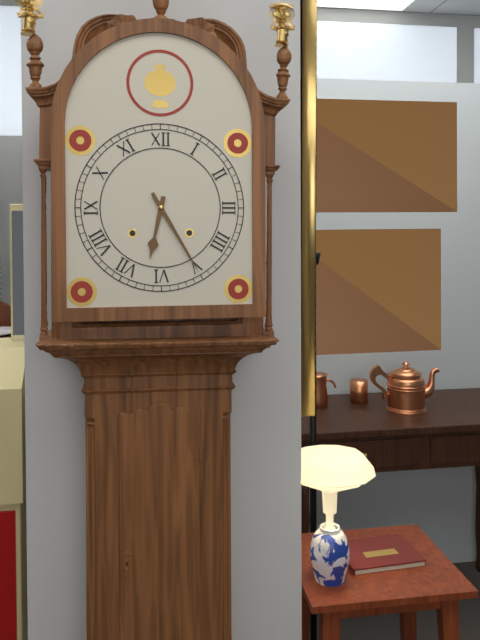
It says 6:25
